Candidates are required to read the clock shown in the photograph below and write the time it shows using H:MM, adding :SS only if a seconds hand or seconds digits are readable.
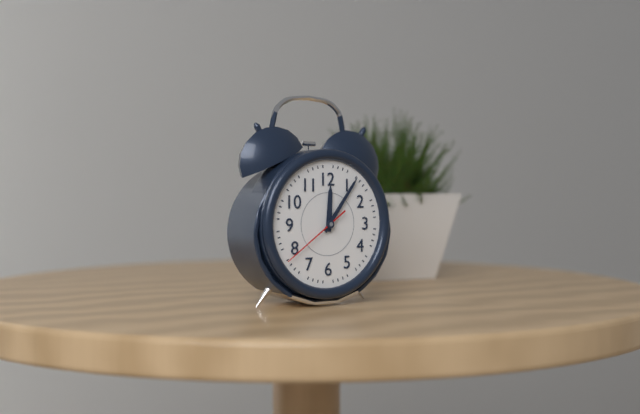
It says 12:06:39
